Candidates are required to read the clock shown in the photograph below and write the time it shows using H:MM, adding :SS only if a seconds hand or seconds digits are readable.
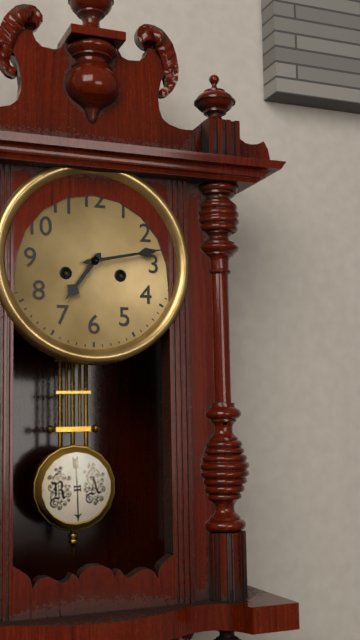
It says 7:13
